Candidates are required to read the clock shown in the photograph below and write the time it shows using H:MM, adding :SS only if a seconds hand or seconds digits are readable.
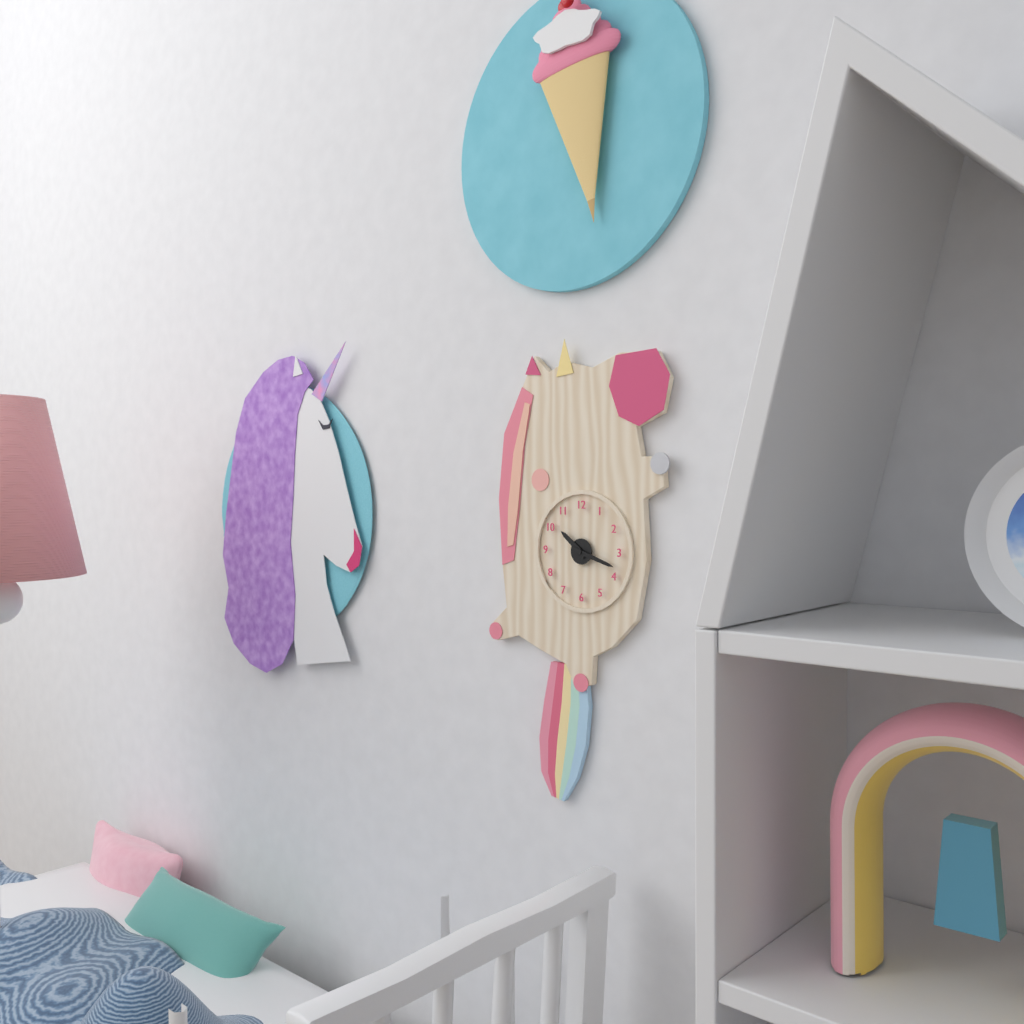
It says 10:18
